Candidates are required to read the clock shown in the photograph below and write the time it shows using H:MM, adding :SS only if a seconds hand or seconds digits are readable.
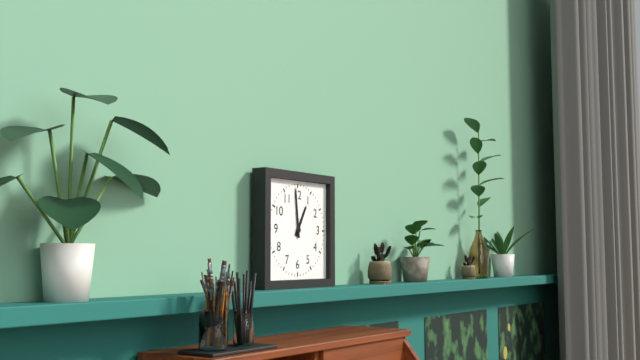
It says 12:59
